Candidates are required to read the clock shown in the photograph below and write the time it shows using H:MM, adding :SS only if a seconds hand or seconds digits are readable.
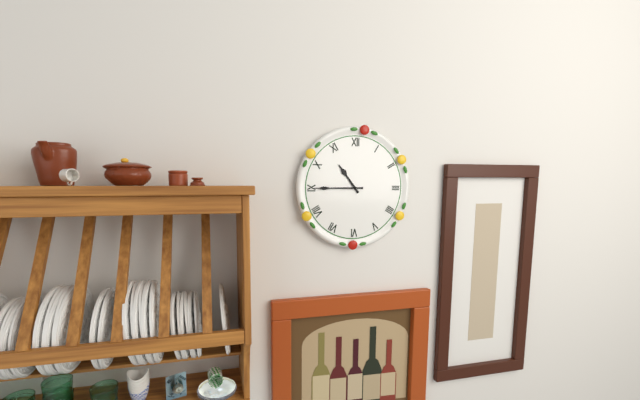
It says 10:45
